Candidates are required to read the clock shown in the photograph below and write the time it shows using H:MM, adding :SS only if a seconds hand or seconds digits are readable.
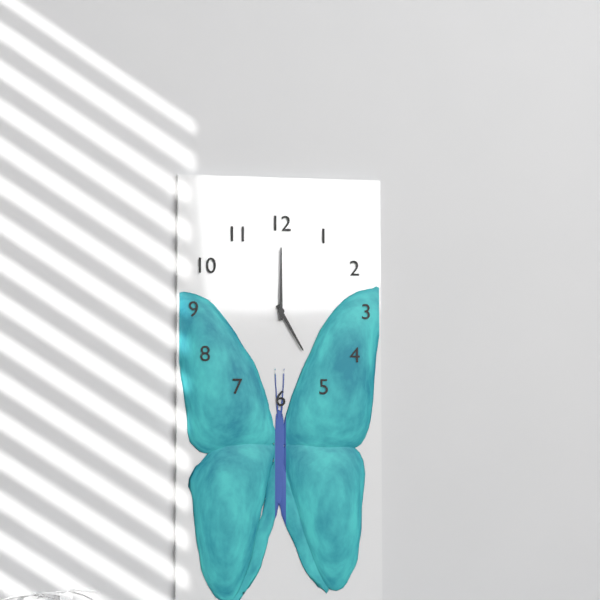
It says 5:00
